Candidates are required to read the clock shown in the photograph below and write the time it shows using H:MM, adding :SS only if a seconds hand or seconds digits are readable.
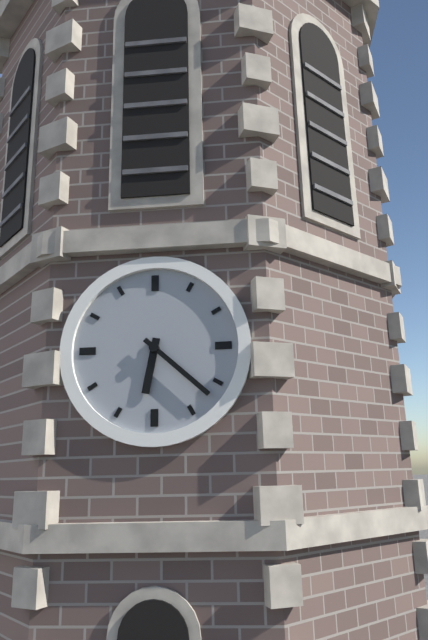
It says 6:22
